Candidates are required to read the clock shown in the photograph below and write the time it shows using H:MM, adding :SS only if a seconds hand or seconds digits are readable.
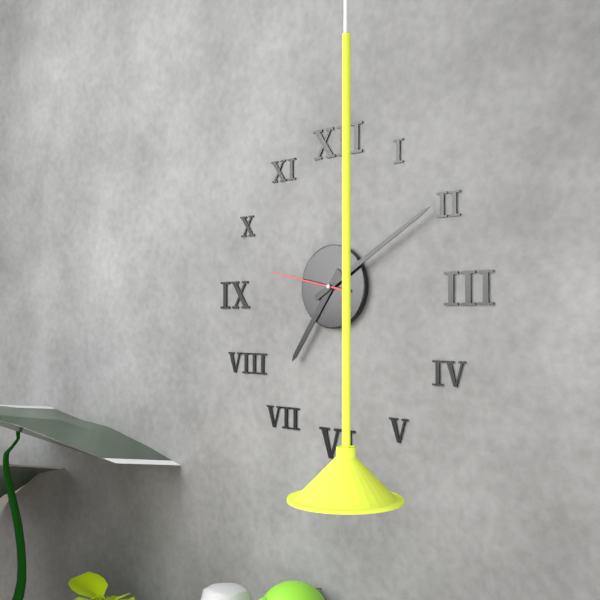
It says 7:10:47
